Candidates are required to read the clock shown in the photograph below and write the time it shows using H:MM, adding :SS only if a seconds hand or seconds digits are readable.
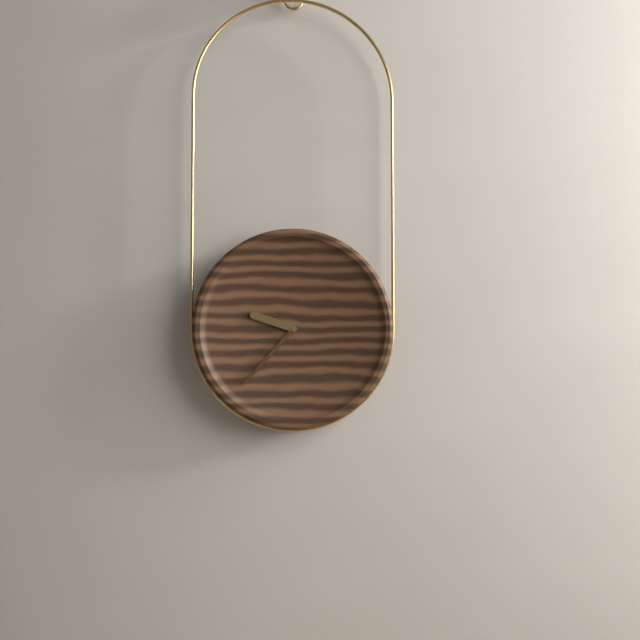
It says 9:37
